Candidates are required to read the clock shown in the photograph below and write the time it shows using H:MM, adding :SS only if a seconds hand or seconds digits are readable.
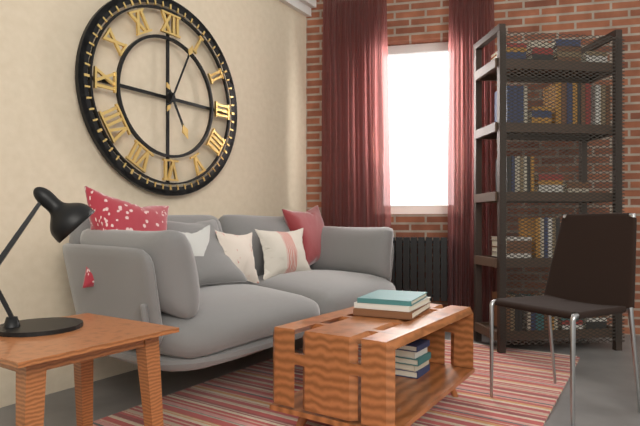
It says 5:04
